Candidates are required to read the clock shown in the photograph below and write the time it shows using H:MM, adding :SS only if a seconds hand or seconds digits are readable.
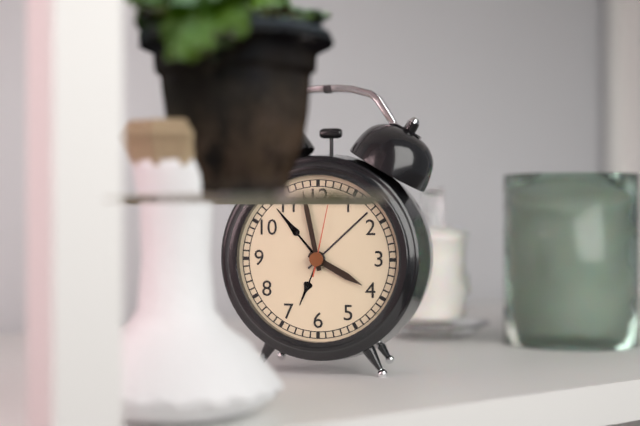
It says 3:58:02
